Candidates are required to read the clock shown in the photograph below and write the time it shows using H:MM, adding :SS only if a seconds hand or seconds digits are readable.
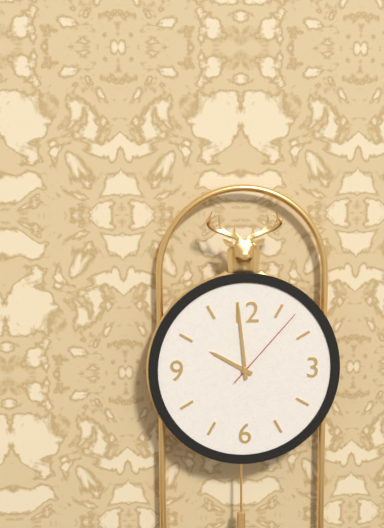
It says 9:59:07
